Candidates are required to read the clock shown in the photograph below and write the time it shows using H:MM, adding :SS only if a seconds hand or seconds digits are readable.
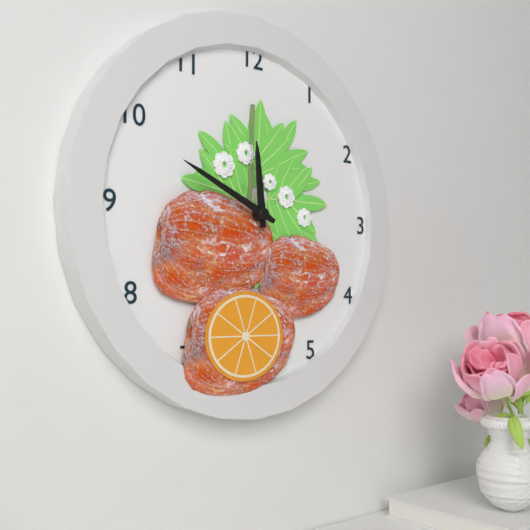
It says 11:49
